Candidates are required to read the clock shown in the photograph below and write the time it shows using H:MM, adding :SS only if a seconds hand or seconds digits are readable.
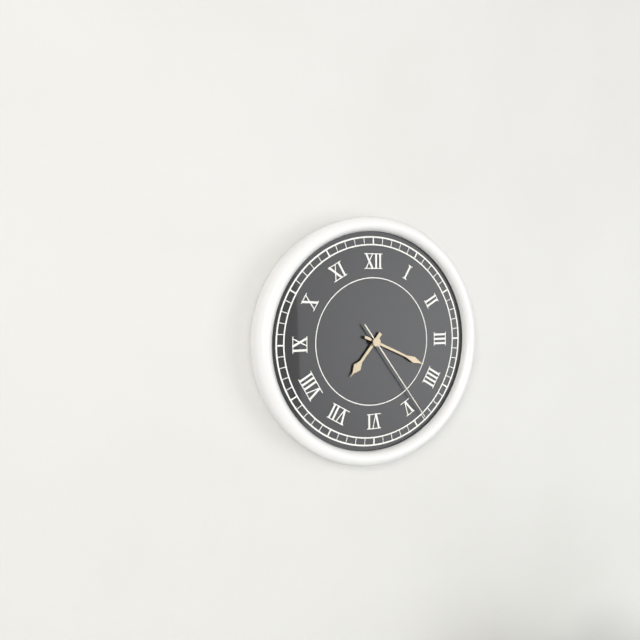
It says 7:19:24
